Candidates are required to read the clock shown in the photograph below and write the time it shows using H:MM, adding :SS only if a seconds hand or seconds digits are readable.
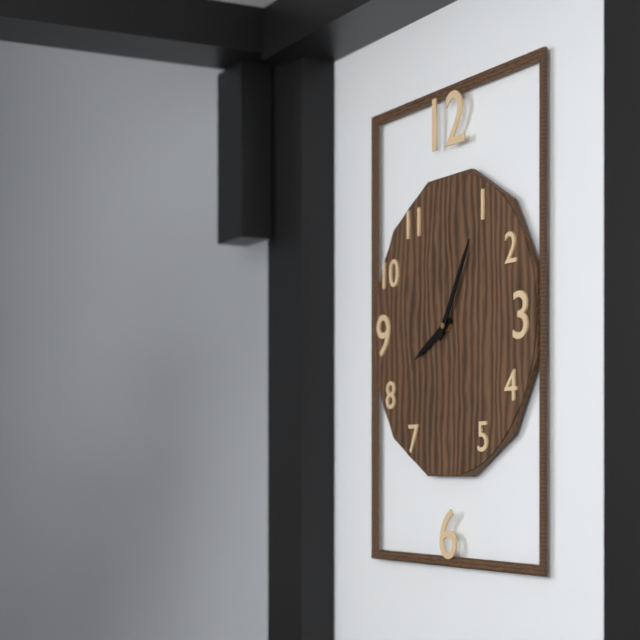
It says 8:05
